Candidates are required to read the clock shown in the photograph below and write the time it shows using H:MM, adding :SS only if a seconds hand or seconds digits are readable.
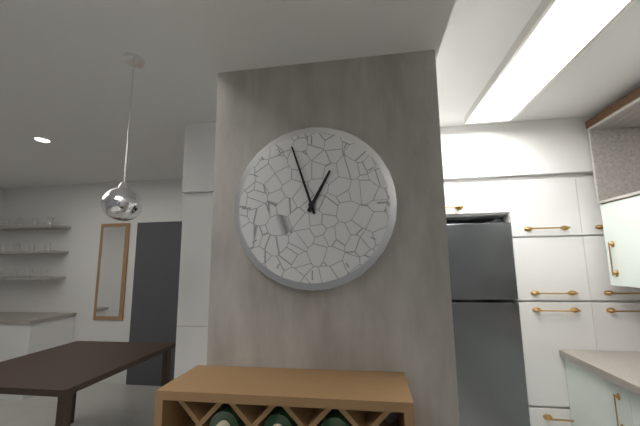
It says 12:57
